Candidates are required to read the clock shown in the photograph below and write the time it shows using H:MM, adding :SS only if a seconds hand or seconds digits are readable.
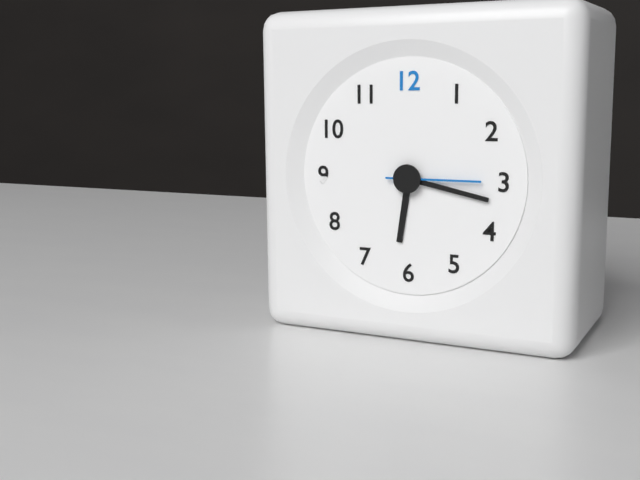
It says 6:17:15
